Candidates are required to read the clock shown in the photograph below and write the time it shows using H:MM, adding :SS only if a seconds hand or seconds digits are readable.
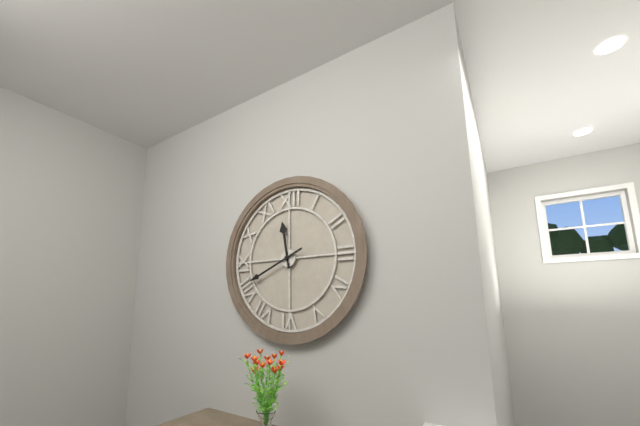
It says 11:41
